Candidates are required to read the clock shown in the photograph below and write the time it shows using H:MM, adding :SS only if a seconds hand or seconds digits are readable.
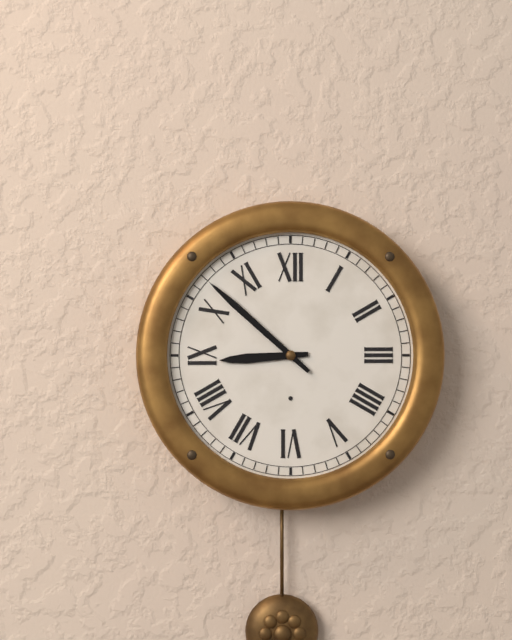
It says 8:52
